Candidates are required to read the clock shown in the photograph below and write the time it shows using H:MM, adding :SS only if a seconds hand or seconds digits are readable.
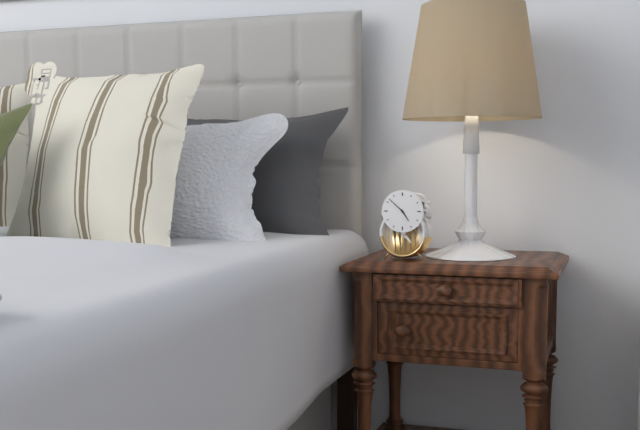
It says 4:52
